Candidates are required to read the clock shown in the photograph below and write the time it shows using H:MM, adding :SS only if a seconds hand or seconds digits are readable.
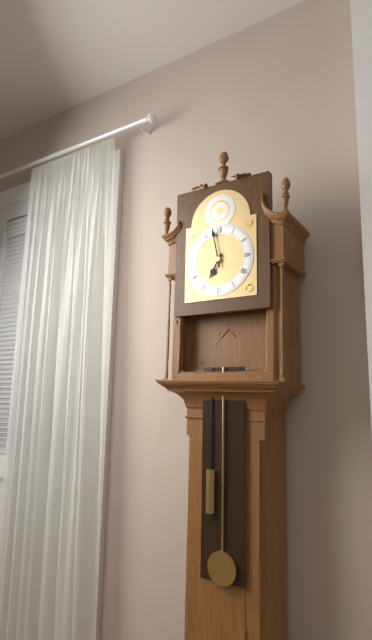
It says 6:58
